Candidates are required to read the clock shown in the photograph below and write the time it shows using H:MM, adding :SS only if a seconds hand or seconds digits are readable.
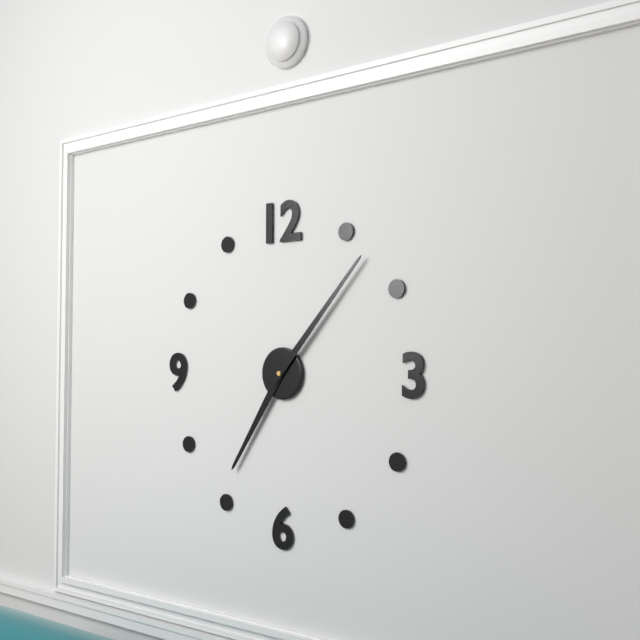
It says 7:07
